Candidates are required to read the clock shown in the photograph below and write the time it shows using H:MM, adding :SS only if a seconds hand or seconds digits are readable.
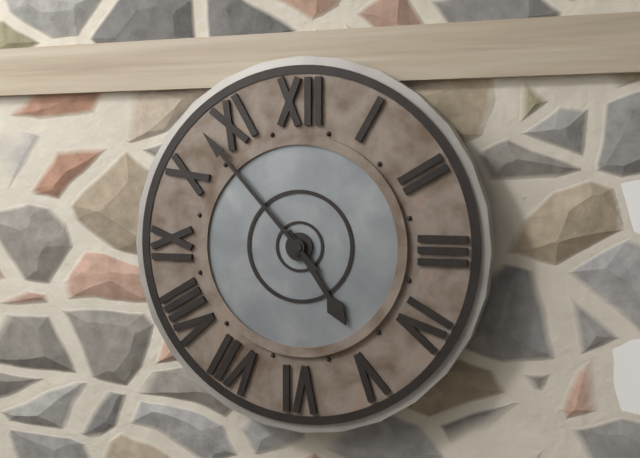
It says 4:53
